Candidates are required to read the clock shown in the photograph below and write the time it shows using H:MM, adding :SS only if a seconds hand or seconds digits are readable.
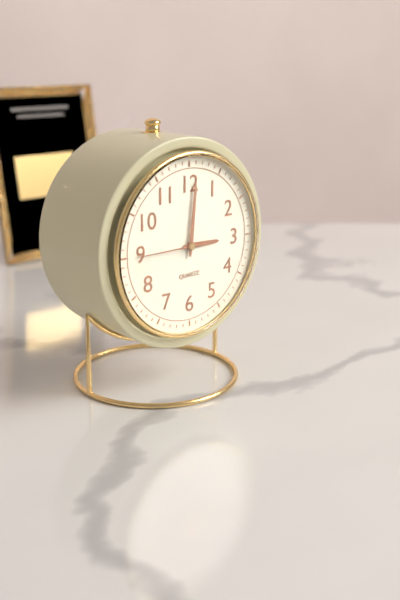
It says 3:01:45
